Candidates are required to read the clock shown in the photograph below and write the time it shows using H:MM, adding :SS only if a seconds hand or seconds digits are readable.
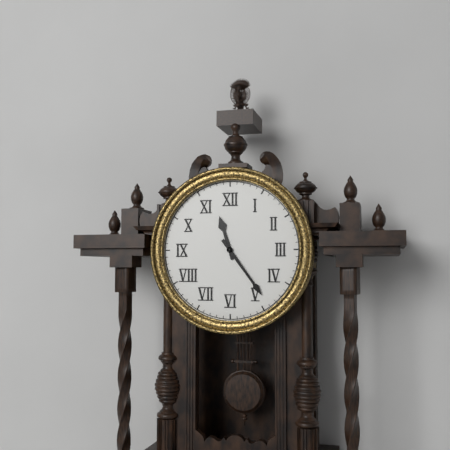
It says 11:24
